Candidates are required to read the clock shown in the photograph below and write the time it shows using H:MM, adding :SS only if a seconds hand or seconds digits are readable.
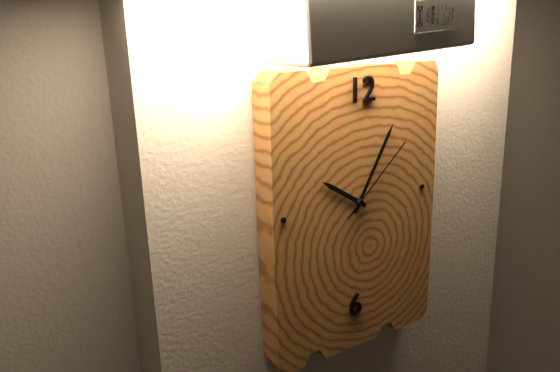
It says 10:05:08
